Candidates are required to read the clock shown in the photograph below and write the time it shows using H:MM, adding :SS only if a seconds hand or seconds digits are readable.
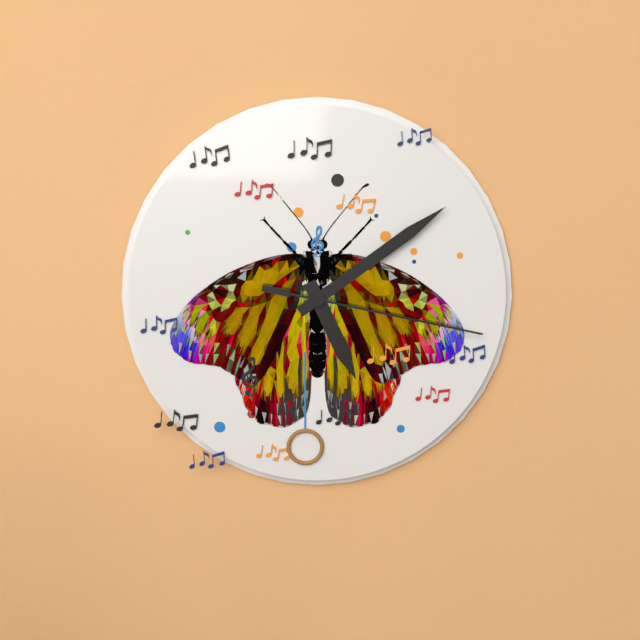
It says 5:09:17
